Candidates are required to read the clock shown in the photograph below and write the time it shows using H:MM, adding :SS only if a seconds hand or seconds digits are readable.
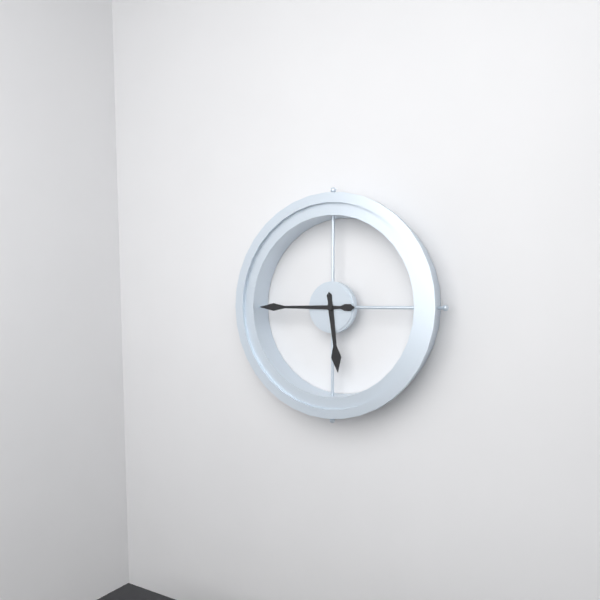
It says 5:45
